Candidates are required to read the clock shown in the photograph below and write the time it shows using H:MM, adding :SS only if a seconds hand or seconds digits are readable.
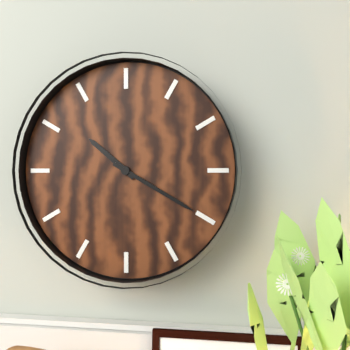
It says 10:20
